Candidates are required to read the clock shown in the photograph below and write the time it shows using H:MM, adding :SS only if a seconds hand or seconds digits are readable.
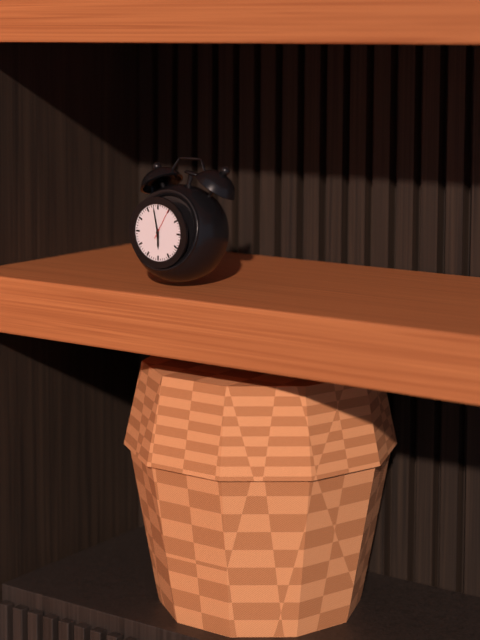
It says 5:58
